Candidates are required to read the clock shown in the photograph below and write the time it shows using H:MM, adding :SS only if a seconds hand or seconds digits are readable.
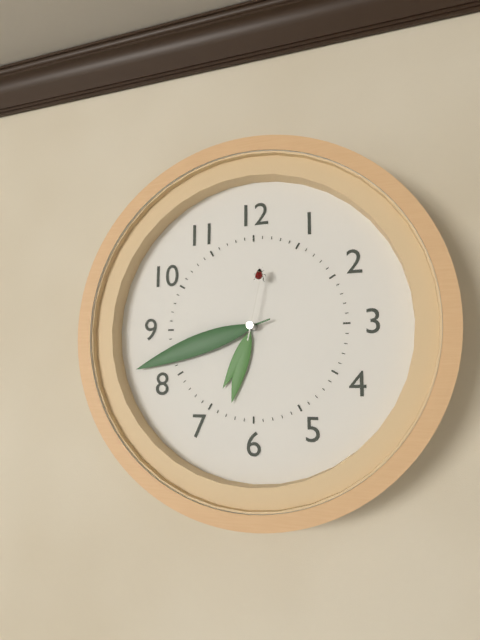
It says 6:42:02
